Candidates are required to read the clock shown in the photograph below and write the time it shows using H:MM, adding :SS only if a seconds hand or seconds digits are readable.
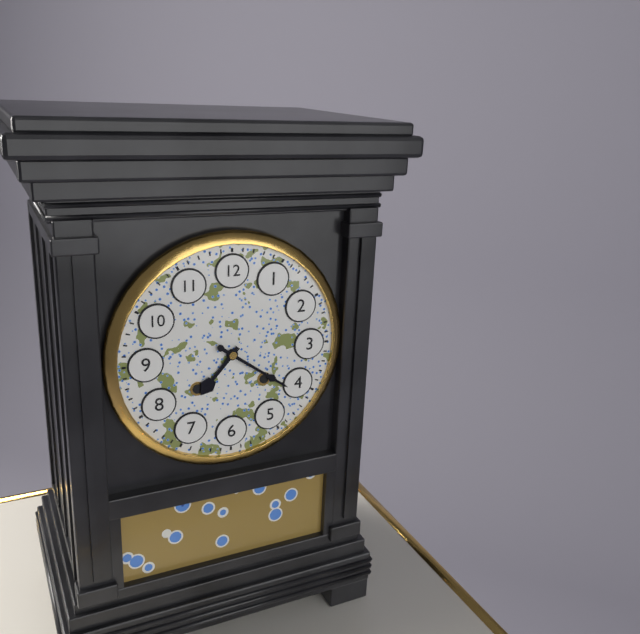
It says 7:21
